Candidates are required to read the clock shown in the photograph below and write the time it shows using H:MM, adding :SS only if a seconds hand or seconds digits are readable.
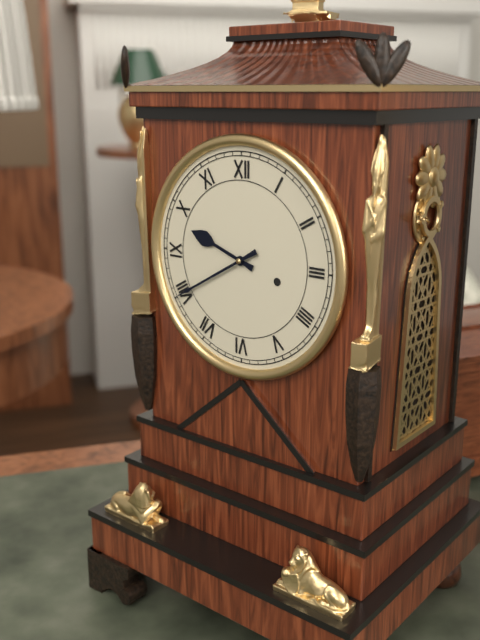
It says 9:40
